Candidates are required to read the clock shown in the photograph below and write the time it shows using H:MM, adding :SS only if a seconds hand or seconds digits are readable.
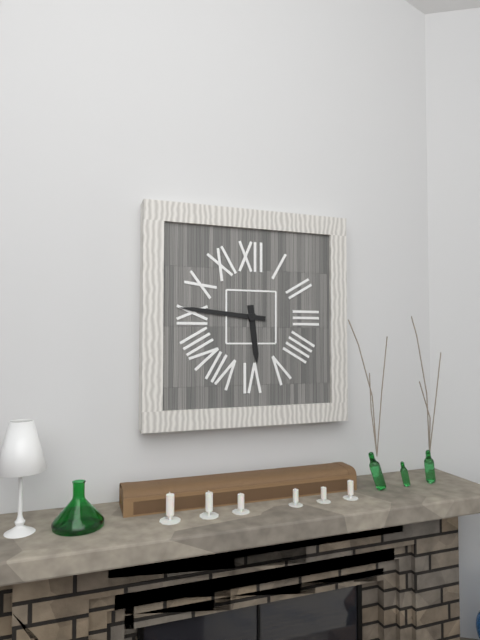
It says 5:46
